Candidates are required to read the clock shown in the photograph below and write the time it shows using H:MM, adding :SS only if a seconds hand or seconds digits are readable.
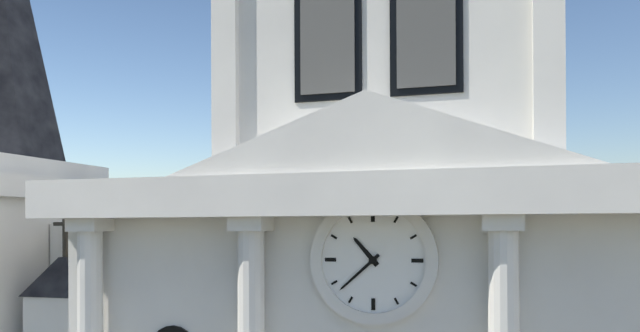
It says 10:38
